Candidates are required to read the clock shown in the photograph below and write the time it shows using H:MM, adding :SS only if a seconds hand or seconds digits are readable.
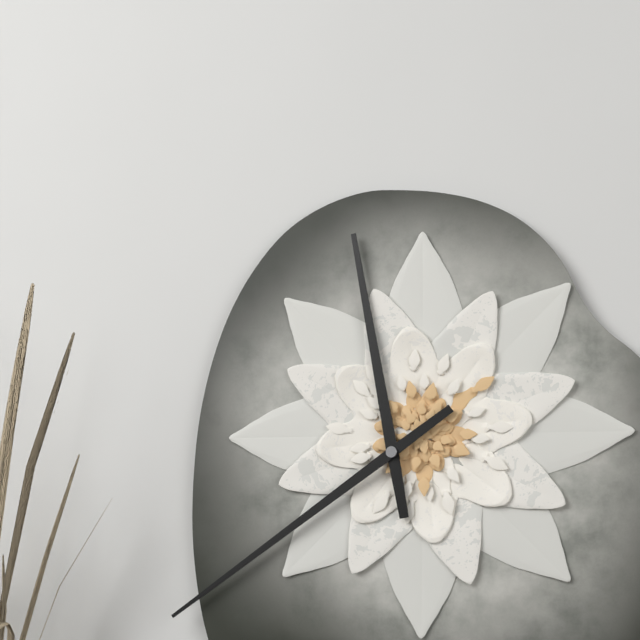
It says 11:39
